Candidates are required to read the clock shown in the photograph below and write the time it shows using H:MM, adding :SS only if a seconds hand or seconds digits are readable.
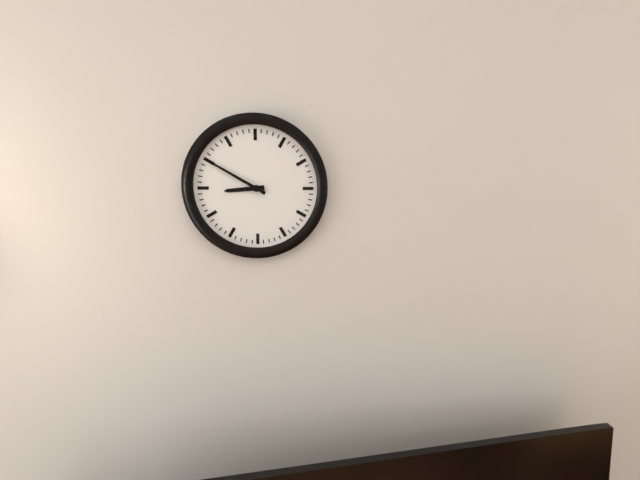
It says 8:50
